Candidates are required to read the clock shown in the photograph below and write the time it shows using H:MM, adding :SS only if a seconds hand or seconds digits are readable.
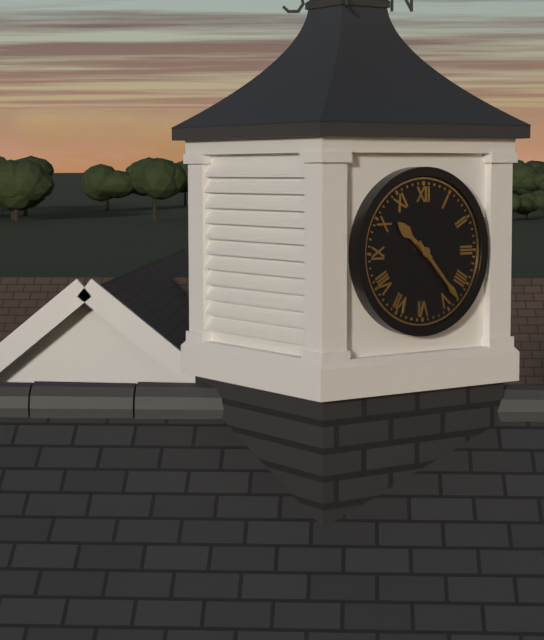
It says 10:23
